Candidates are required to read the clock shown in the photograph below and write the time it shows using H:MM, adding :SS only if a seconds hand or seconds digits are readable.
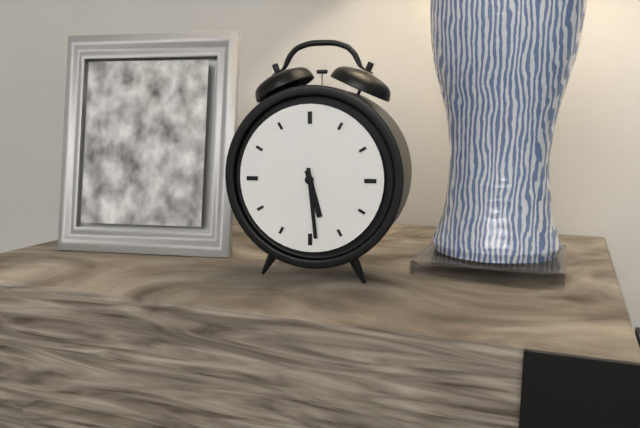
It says 5:29
